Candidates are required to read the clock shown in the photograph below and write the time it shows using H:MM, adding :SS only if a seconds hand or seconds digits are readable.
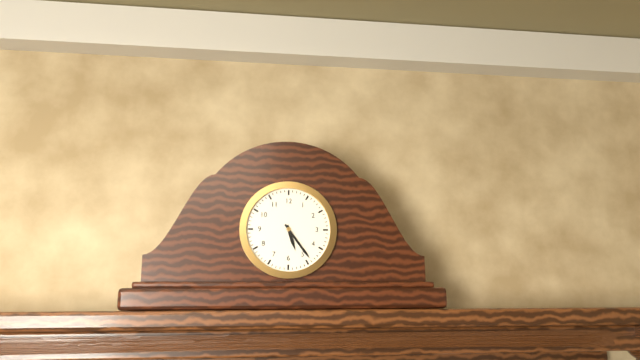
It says 5:24
